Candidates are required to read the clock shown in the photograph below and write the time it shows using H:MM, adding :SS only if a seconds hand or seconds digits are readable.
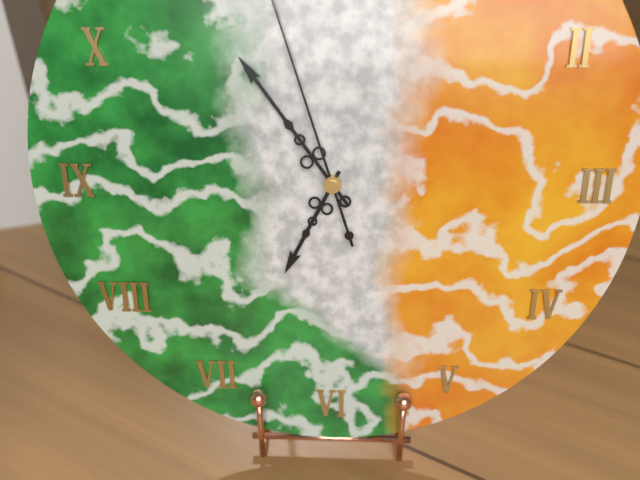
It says 6:54
